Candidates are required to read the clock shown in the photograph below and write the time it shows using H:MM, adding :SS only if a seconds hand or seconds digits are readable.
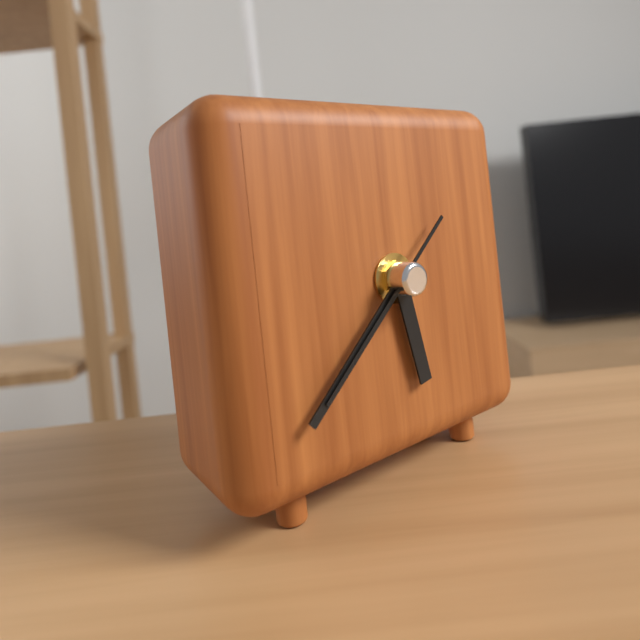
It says 5:38:38
